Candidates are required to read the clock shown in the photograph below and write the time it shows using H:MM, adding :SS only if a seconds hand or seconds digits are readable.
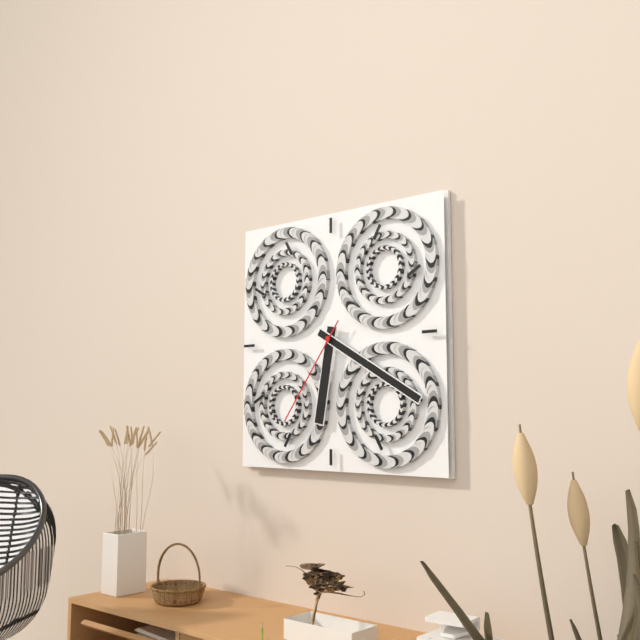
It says 6:20:36
